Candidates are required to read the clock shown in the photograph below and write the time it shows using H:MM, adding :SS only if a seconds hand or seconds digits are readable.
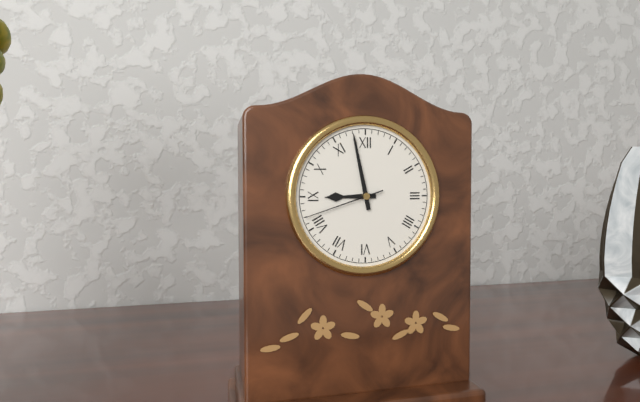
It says 8:58:42
